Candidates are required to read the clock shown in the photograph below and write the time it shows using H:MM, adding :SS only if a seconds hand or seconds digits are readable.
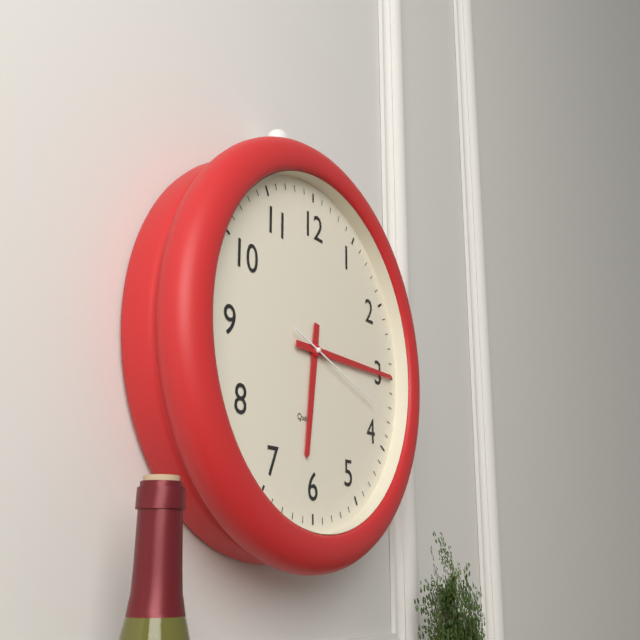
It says 6:15:18
